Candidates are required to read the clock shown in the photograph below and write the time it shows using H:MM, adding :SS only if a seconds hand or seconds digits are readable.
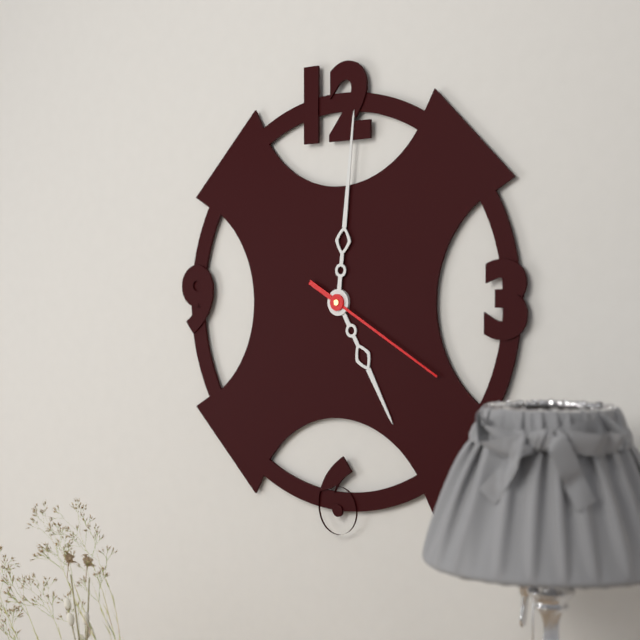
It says 5:01:20
